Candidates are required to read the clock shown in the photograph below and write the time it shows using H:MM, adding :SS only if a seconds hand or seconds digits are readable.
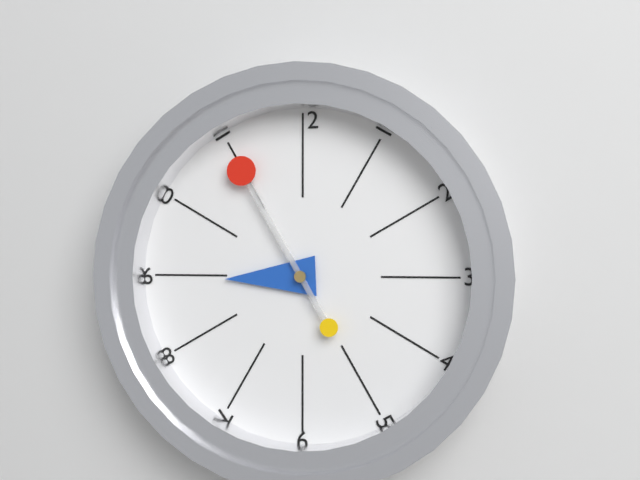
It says 8:55
